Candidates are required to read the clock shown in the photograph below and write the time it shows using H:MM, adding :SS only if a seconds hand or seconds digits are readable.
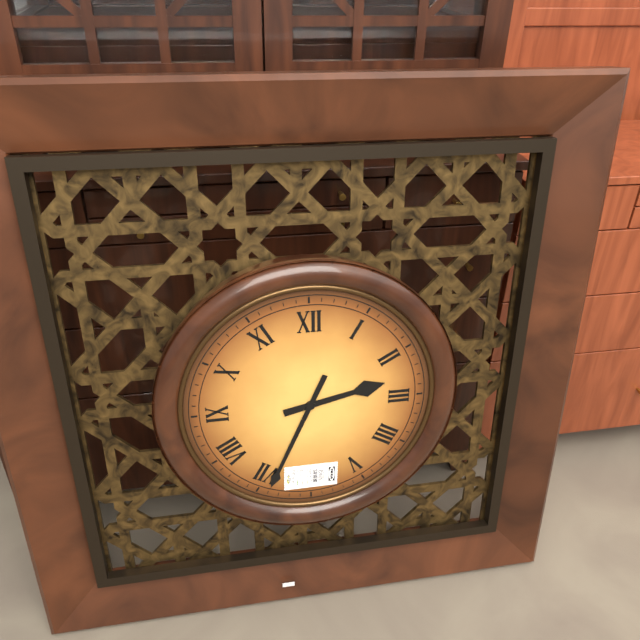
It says 2:34
